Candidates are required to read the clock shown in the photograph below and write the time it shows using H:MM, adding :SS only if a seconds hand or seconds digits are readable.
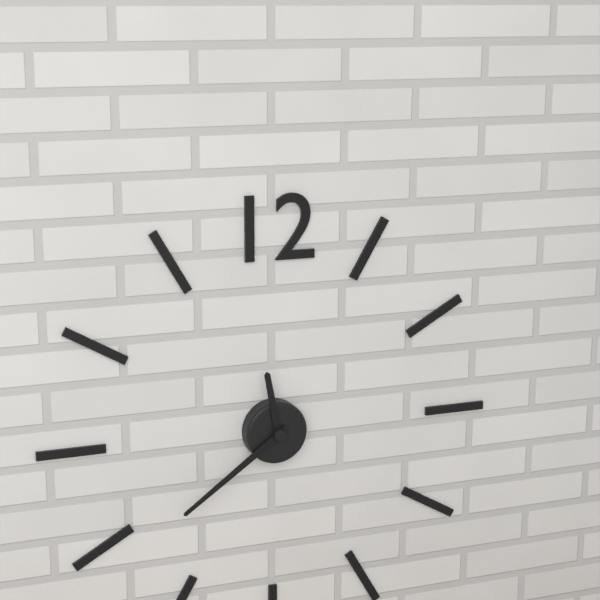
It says 11:39
